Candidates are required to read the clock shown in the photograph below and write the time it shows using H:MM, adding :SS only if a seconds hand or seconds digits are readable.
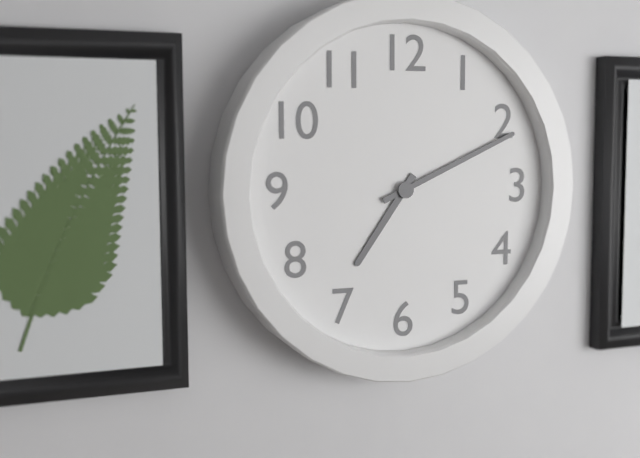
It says 7:11
